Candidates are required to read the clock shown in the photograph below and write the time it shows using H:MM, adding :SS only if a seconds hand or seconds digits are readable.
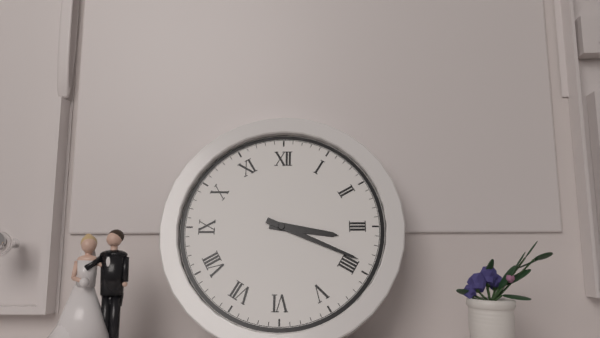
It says 3:19
